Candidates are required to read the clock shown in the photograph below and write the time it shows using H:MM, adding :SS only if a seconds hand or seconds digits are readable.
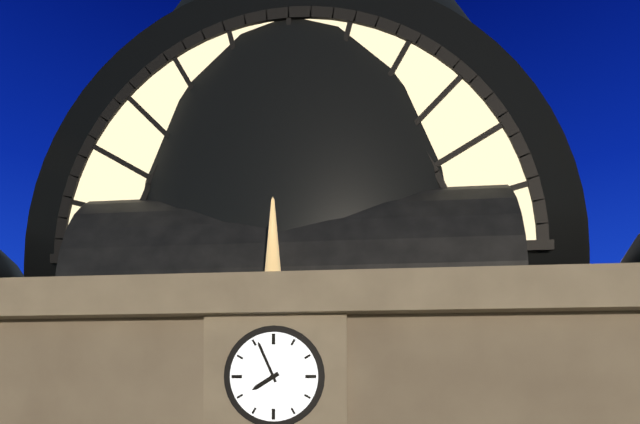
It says 7:56
